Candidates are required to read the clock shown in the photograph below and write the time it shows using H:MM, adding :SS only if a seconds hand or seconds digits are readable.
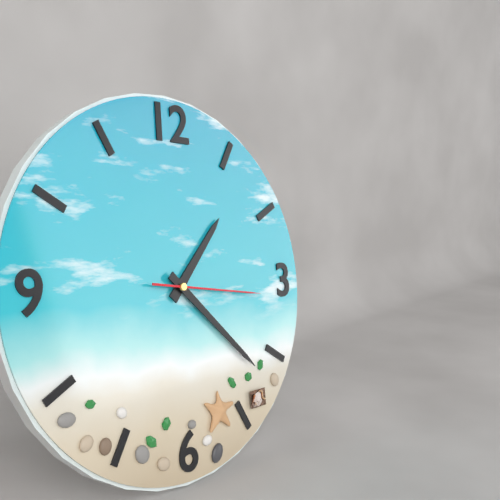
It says 1:22:16
